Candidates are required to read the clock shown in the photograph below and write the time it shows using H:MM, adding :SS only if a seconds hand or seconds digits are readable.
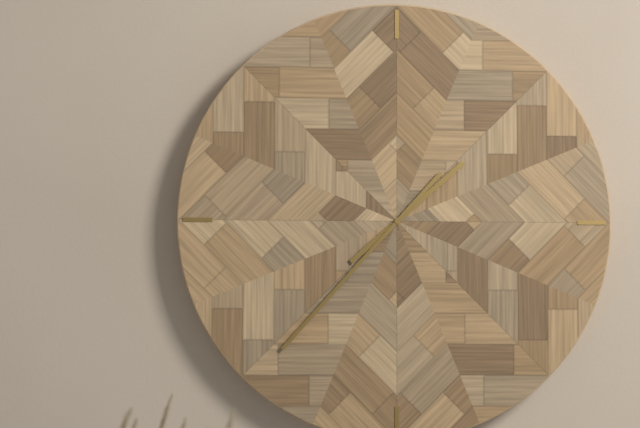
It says 1:37
